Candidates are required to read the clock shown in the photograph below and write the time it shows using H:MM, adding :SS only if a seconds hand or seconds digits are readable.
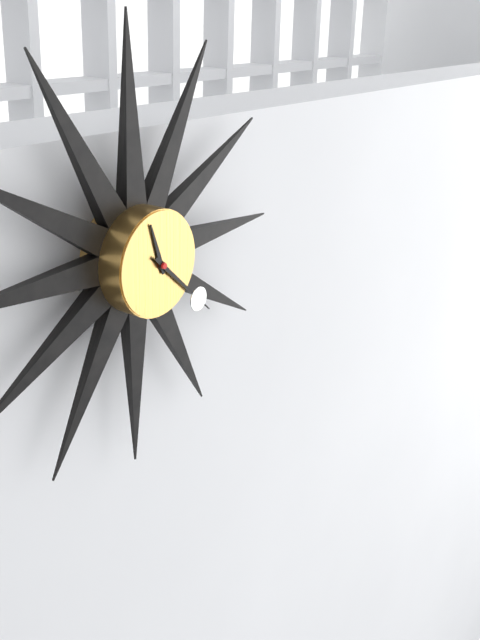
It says 11:22
